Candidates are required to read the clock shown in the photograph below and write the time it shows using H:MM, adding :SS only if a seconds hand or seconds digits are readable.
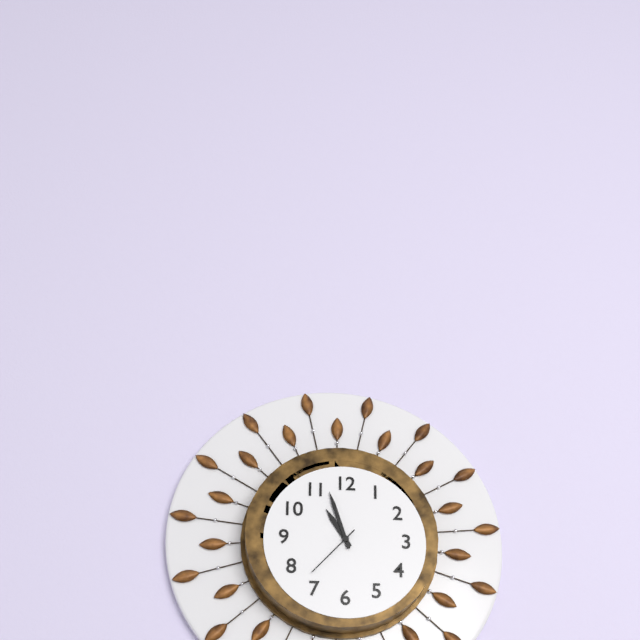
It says 10:57:37
